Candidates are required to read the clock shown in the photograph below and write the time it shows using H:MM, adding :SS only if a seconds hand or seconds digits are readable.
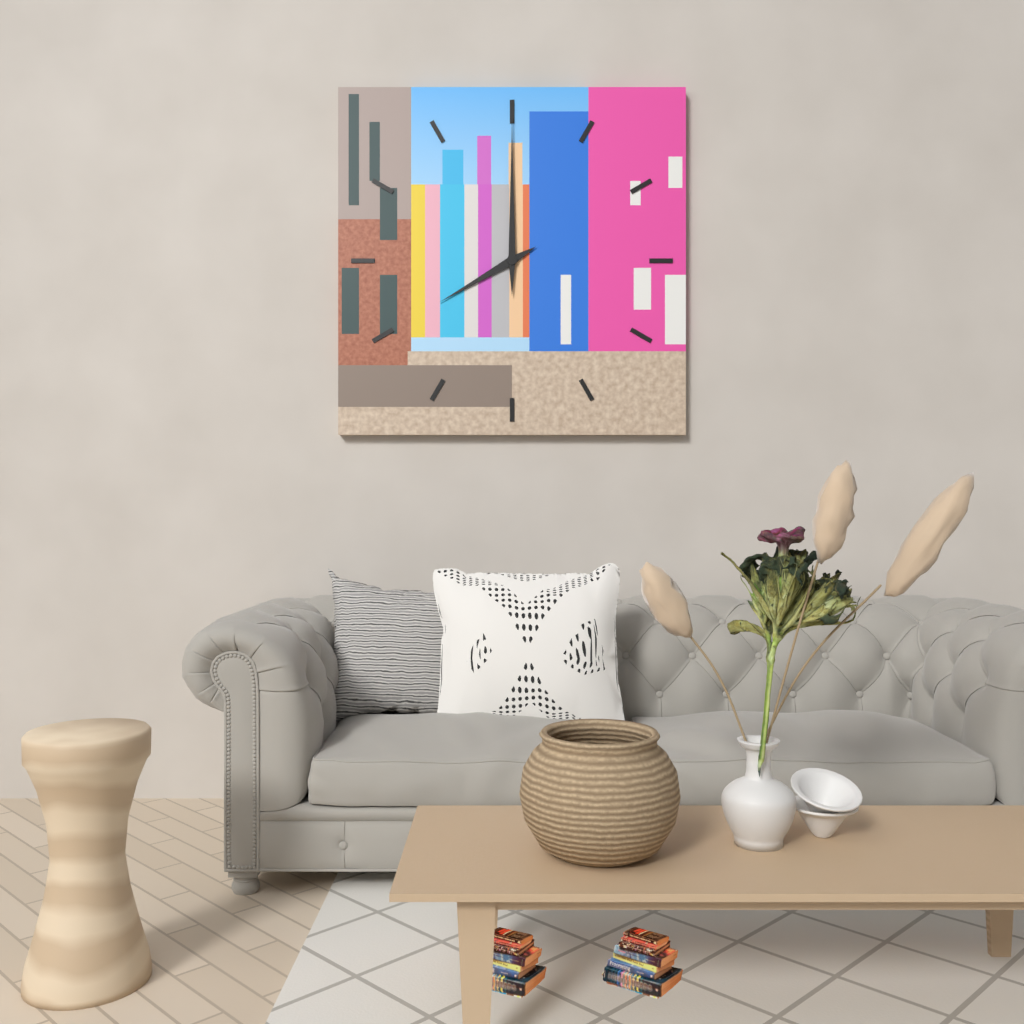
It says 8:00
